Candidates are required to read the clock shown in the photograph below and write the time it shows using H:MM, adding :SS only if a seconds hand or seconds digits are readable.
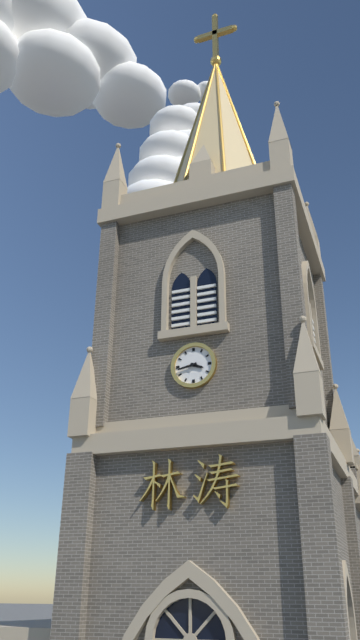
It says 3:43
